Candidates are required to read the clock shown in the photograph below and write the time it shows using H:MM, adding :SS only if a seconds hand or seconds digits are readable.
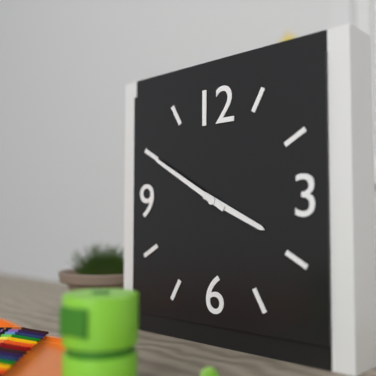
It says 3:50
